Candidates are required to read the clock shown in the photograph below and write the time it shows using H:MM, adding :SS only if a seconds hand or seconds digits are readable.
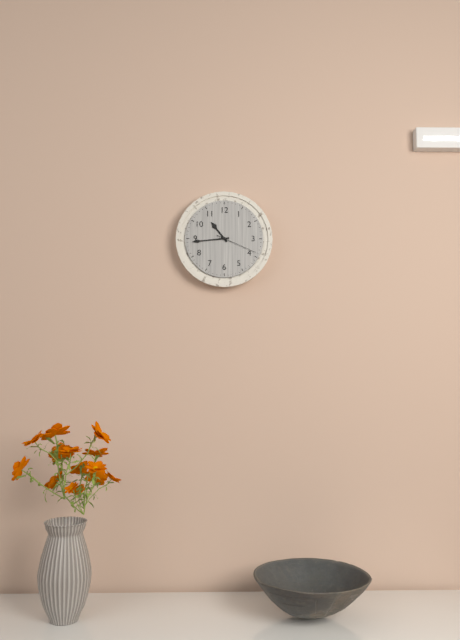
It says 10:44
